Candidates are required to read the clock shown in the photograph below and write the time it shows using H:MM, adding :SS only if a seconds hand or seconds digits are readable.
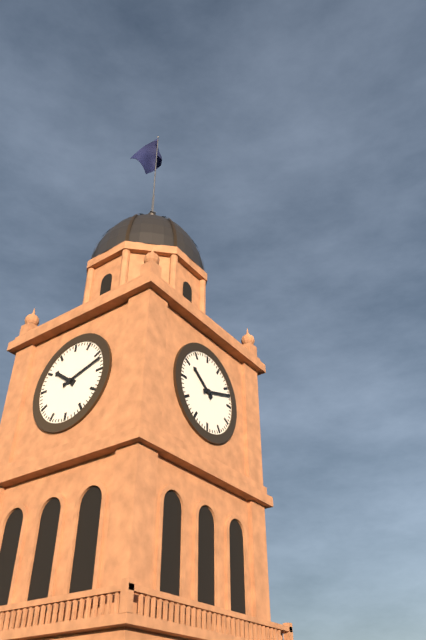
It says 10:12
